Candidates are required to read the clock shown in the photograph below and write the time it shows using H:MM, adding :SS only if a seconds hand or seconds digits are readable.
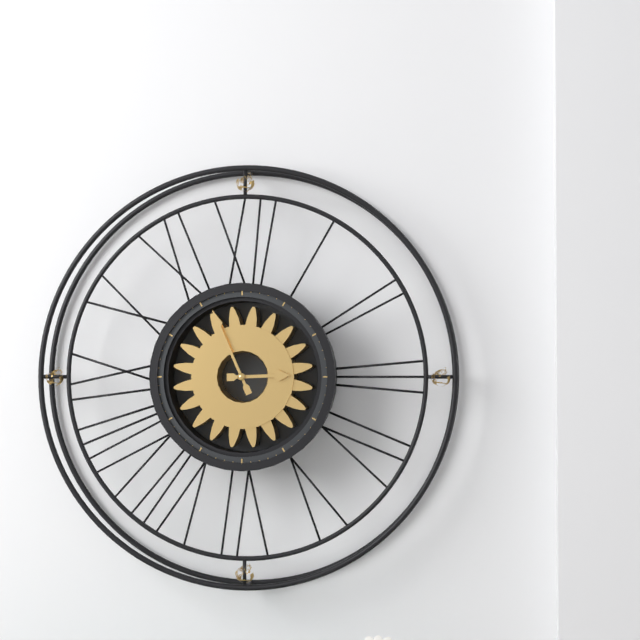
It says 2:56
